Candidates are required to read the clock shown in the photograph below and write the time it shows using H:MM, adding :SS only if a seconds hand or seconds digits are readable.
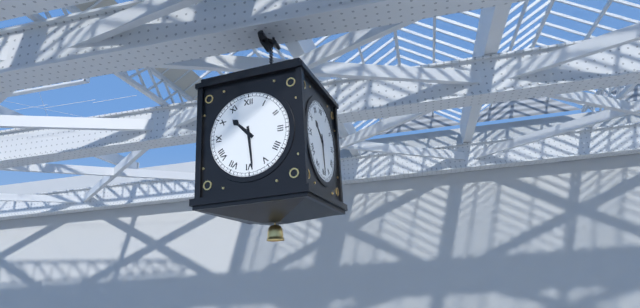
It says 10:29
